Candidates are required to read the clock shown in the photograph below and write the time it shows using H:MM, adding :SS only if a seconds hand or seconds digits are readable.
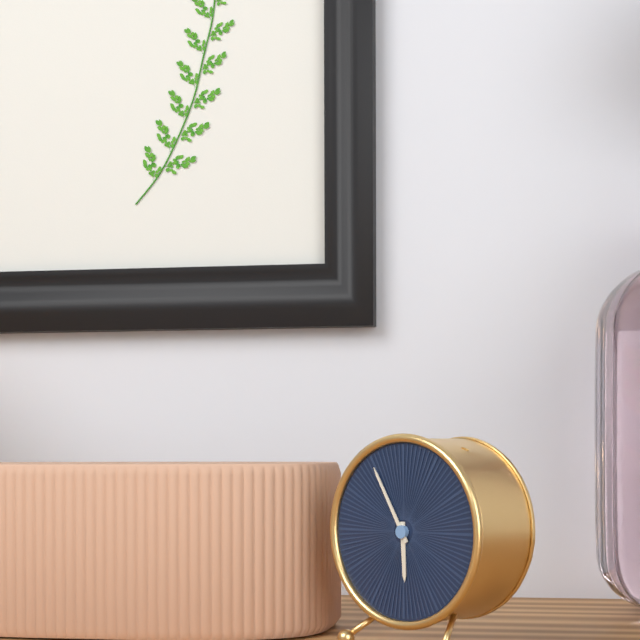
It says 5:55
